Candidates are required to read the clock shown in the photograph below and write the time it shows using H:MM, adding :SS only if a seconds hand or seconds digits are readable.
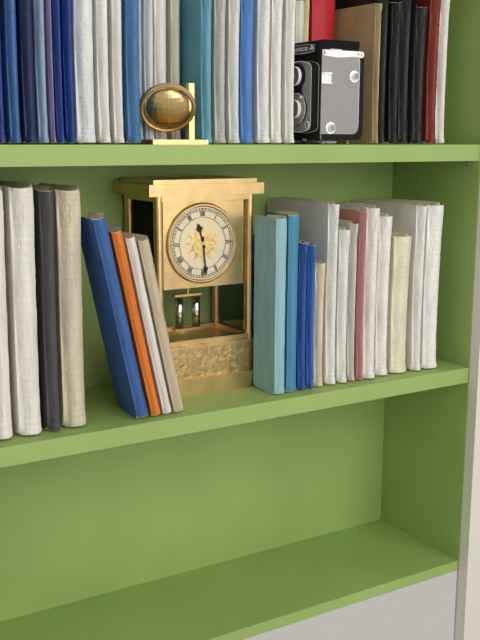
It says 11:29
